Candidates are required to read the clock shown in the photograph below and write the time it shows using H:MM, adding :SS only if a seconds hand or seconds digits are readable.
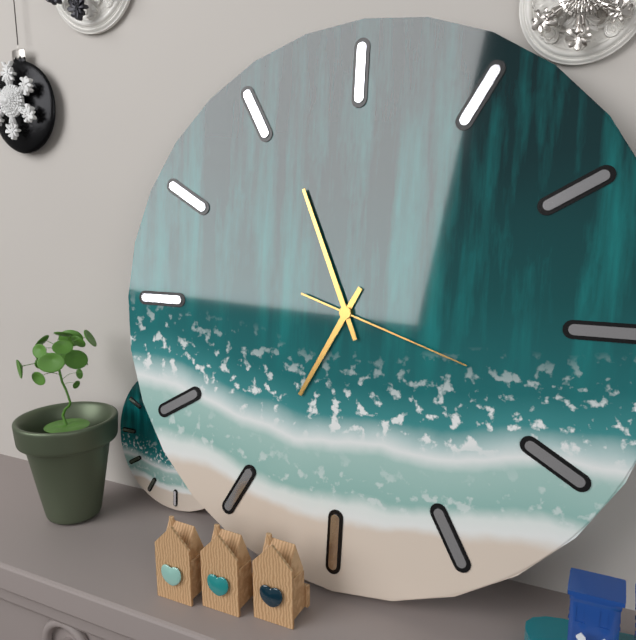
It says 6:56:18
